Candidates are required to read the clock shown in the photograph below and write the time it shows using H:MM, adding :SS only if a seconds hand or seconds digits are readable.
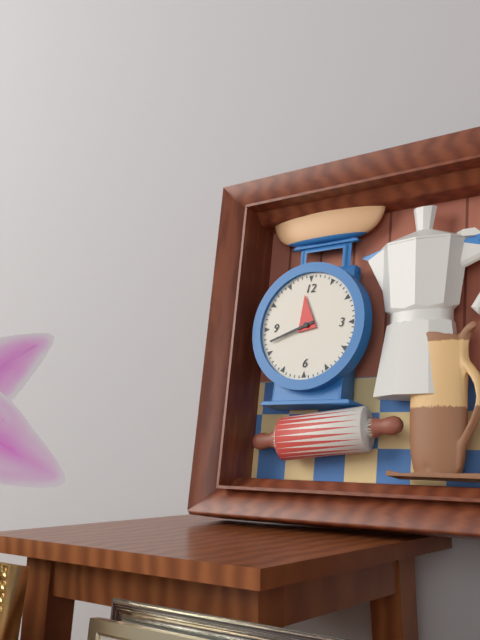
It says 11:42
